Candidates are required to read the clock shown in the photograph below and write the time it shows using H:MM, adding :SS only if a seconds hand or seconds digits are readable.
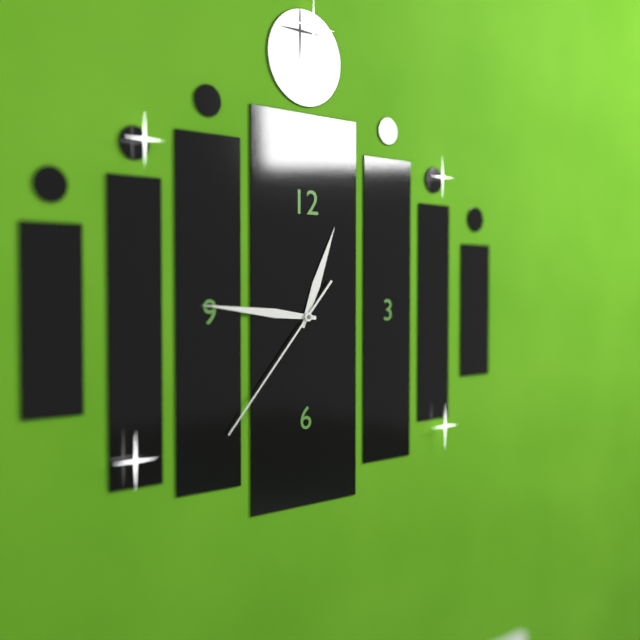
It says 12:46:37
